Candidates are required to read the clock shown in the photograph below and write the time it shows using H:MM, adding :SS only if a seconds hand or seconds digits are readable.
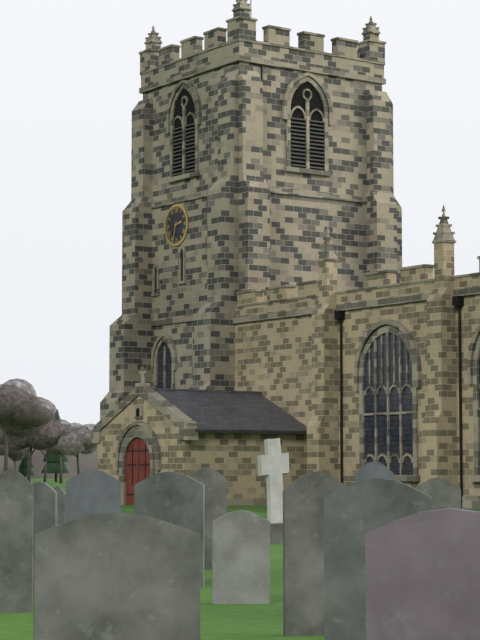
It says 2:33
